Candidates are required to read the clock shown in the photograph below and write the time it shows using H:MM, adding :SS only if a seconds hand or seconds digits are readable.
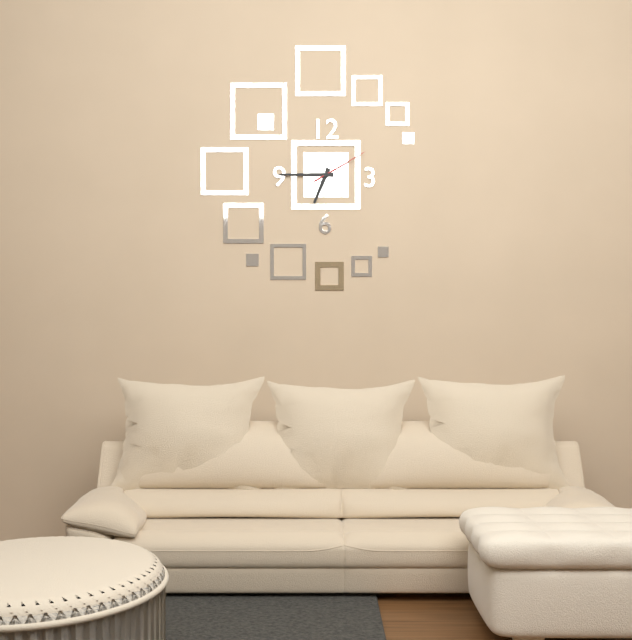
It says 6:45:10
